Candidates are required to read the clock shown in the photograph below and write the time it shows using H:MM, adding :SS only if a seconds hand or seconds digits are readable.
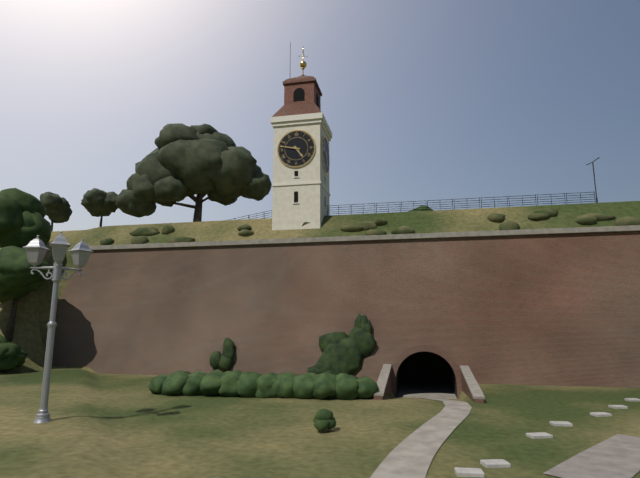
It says 4:47
